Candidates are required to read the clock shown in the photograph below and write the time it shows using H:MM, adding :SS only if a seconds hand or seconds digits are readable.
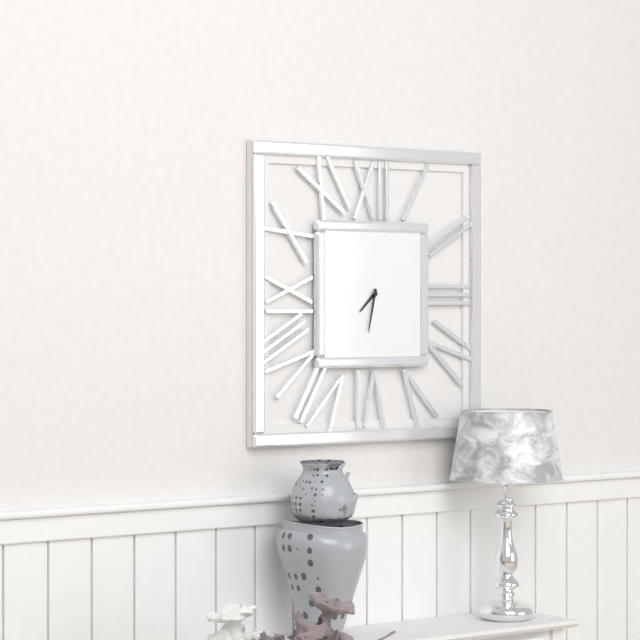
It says 7:32
